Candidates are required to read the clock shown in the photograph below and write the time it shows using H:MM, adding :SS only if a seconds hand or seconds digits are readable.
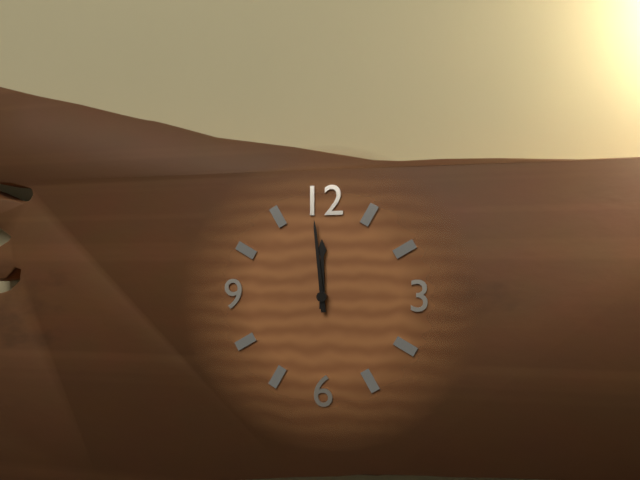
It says 11:59
